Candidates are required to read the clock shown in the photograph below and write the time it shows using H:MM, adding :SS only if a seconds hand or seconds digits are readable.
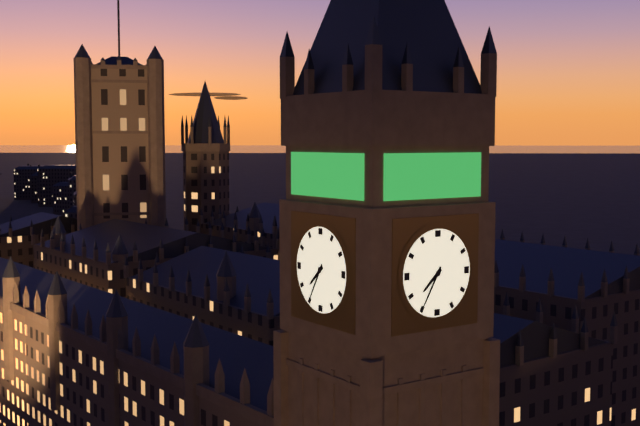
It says 7:35
